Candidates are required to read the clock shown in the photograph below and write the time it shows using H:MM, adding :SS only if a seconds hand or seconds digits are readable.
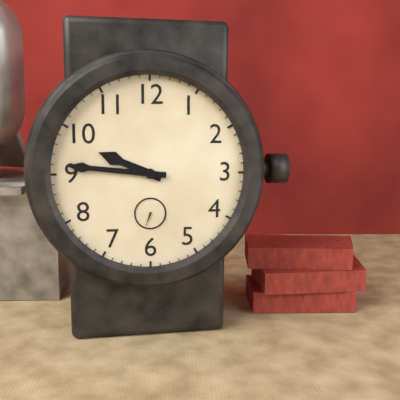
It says 9:46
